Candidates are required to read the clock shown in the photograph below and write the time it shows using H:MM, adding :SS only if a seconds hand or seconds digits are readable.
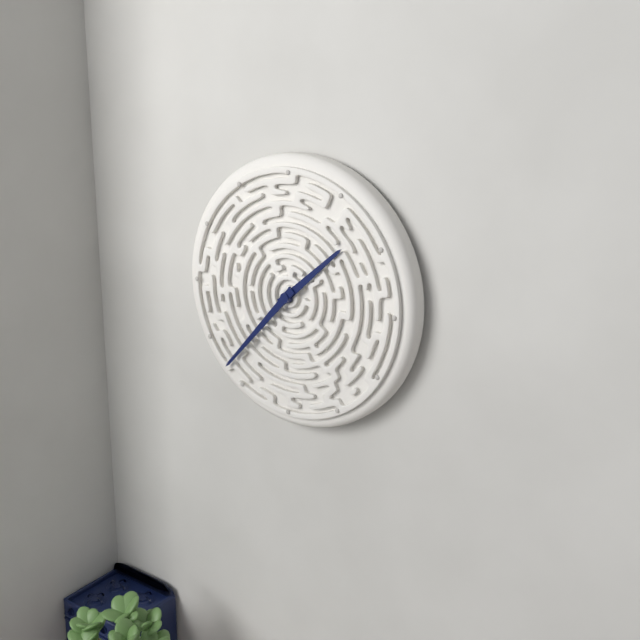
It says 1:37
